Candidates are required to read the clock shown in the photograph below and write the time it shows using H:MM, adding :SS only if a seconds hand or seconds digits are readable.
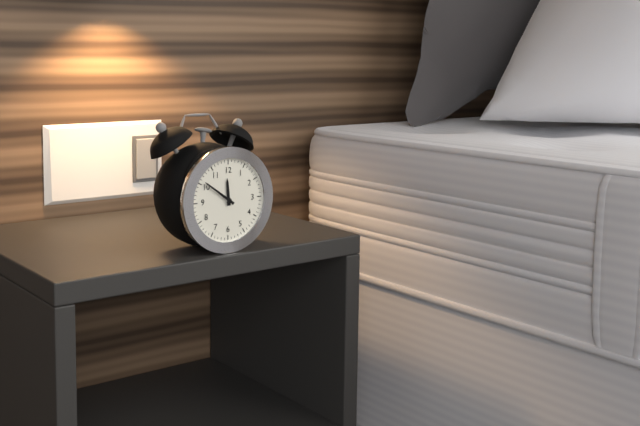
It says 11:51
